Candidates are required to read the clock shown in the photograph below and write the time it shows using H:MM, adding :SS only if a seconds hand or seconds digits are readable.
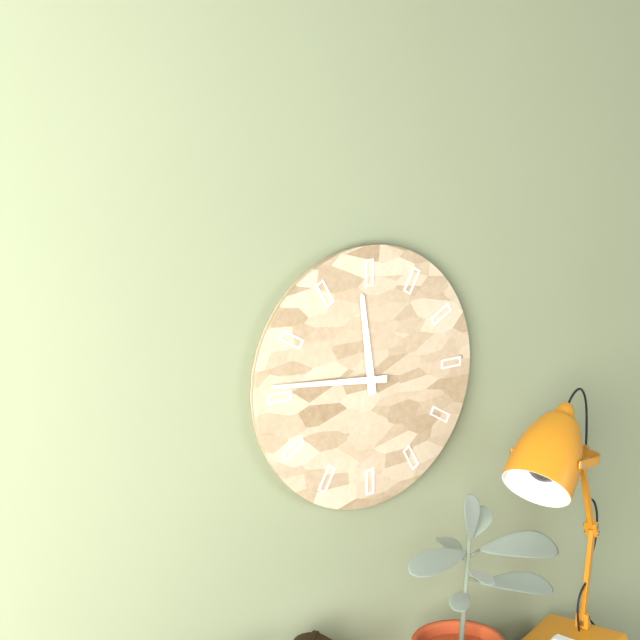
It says 11:46
